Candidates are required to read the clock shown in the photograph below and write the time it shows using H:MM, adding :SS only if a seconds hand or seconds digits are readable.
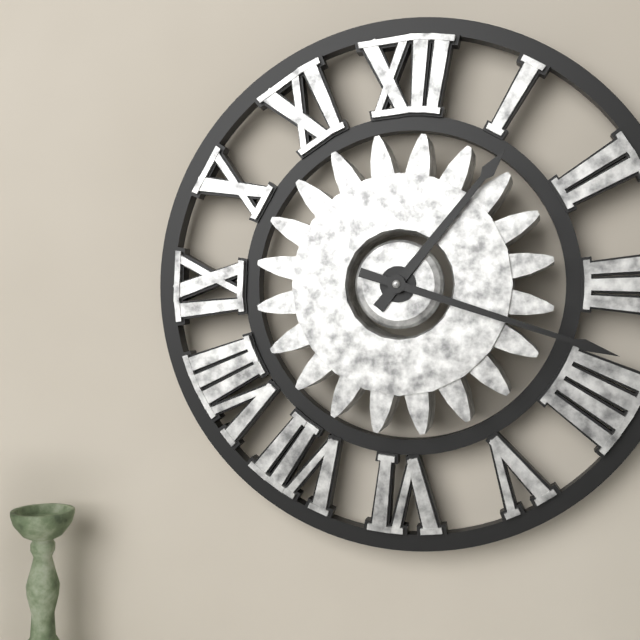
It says 1:18
